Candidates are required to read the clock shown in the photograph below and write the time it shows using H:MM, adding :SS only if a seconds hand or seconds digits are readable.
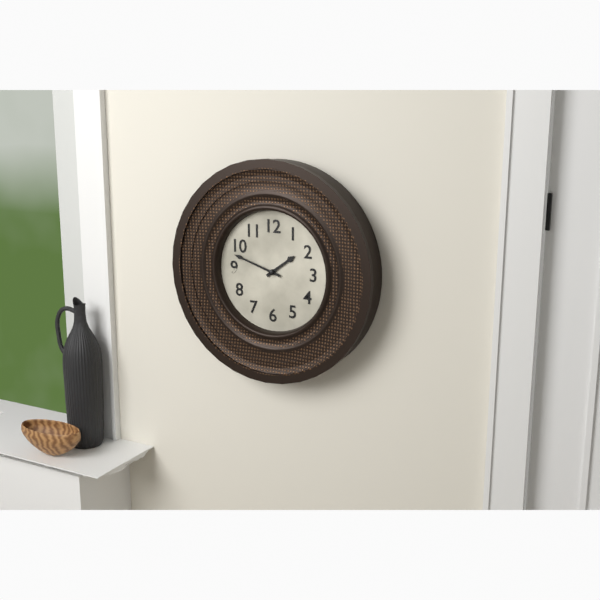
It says 1:48
